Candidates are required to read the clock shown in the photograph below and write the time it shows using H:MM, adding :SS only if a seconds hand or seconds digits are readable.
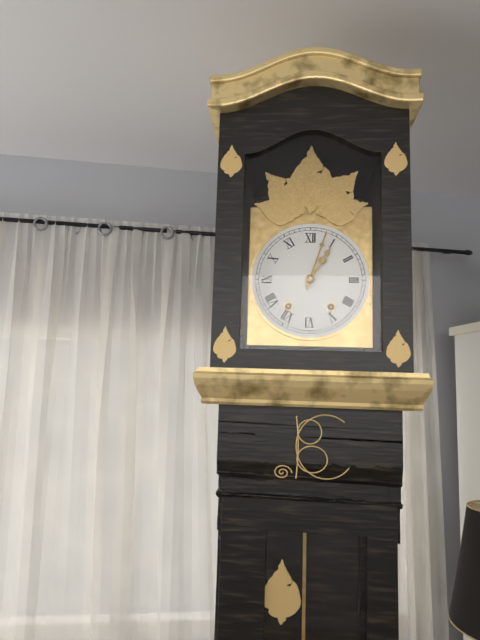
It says 1:03
